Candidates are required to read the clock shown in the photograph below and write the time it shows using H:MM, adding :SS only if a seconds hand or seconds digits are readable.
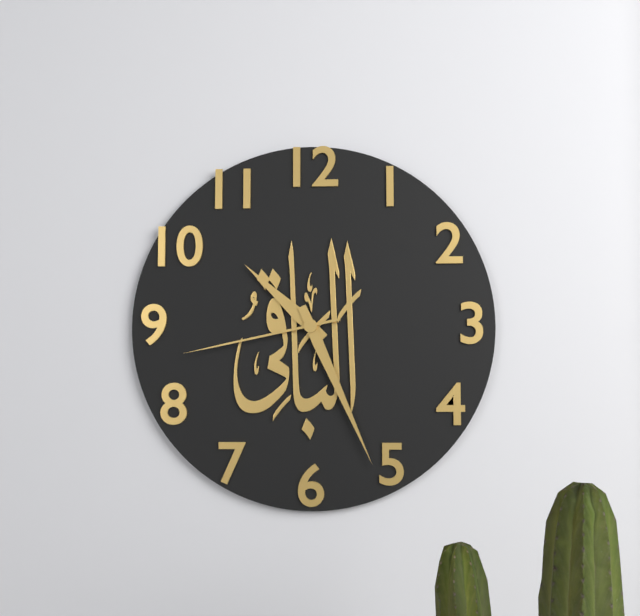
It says 10:26:43
